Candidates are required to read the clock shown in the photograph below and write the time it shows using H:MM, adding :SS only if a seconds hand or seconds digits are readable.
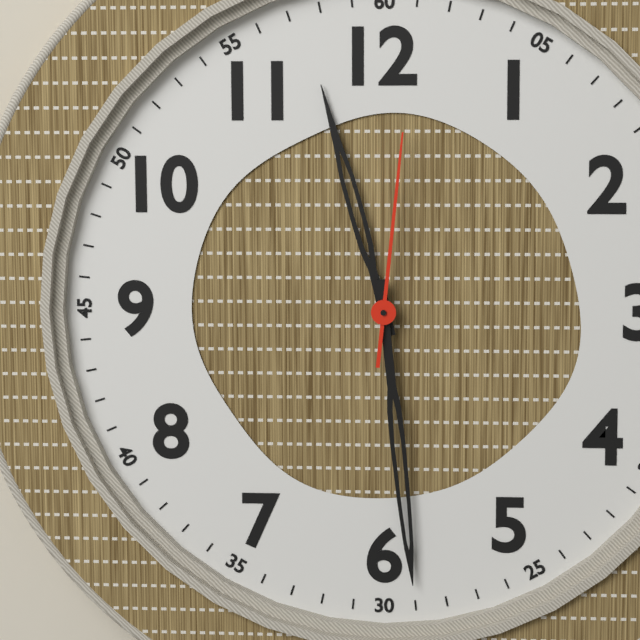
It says 11:29:01
